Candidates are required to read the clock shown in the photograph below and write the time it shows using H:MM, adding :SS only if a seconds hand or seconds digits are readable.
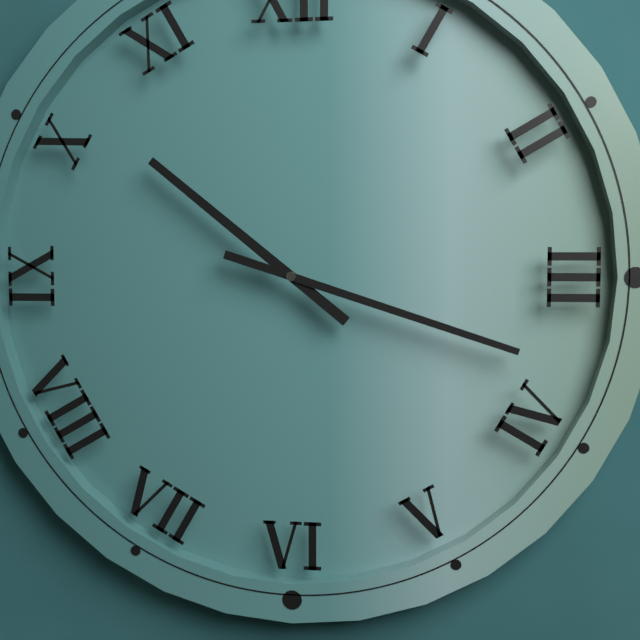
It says 10:18
